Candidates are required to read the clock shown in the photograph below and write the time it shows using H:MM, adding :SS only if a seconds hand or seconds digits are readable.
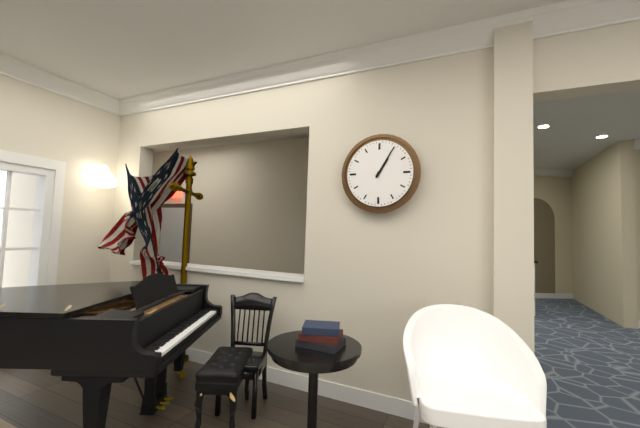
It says 1:05
